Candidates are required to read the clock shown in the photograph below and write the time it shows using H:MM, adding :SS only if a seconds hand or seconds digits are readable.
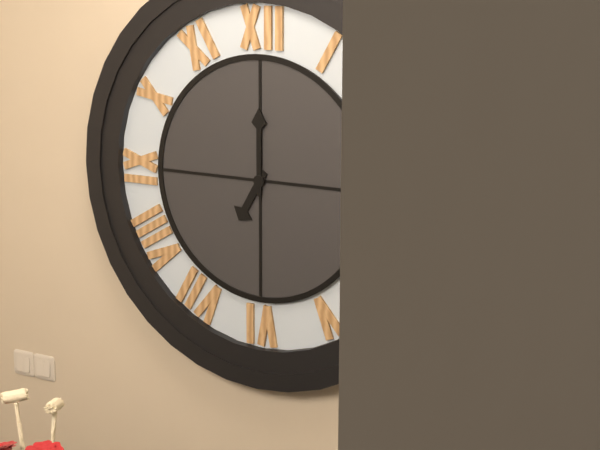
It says 7:00
